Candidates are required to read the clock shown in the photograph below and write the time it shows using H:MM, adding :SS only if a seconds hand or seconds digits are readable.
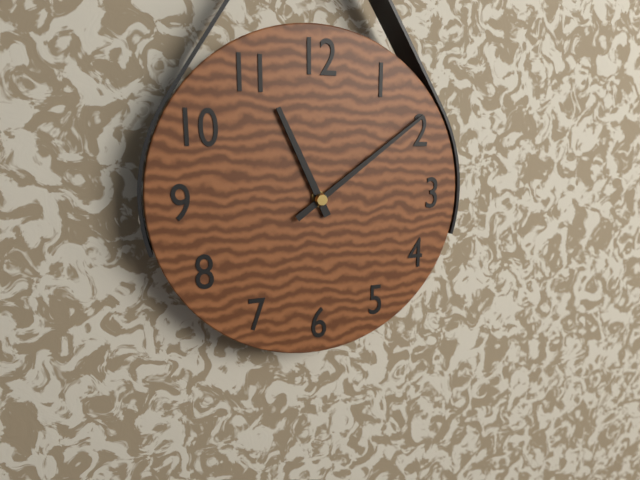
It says 11:09
